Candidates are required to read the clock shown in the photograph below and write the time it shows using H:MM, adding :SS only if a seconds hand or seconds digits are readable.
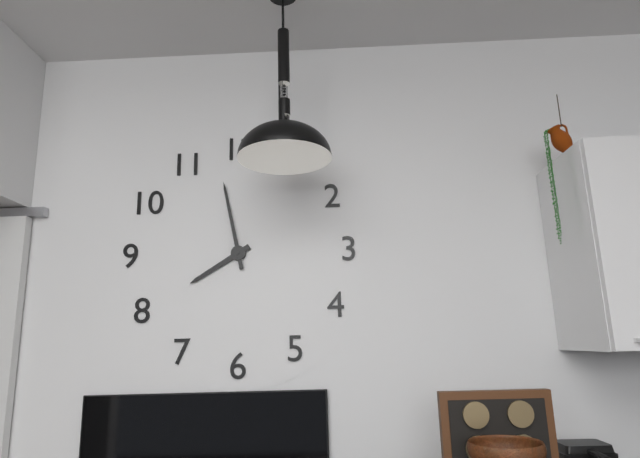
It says 7:58
